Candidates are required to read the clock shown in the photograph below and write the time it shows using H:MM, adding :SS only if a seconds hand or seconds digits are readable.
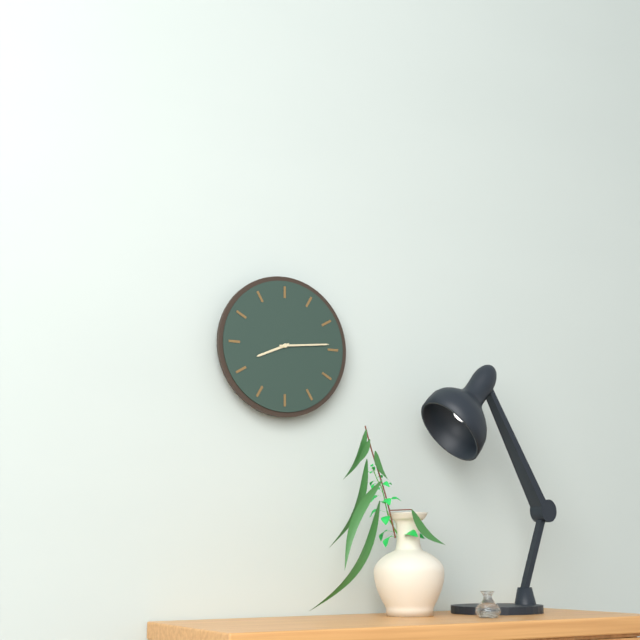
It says 8:14
